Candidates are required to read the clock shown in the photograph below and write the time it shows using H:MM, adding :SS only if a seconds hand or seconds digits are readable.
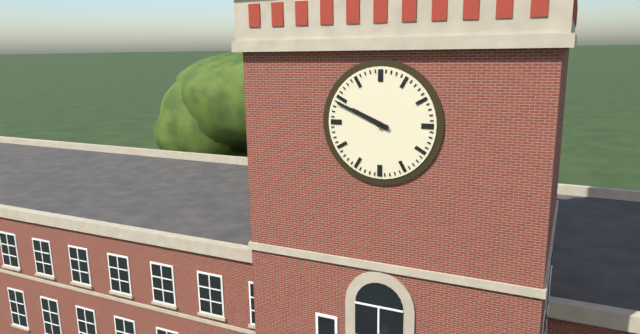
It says 9:49
